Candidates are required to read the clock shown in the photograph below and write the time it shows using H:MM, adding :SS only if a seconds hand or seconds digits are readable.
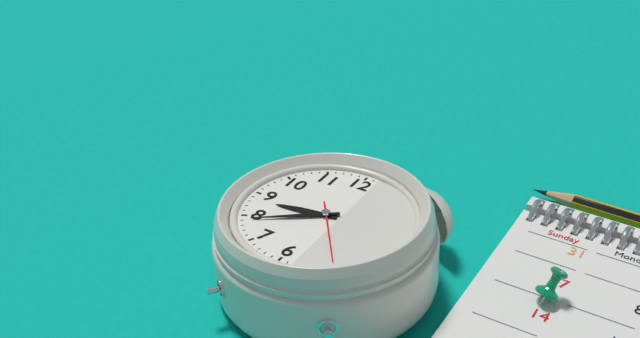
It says 8:39:24
